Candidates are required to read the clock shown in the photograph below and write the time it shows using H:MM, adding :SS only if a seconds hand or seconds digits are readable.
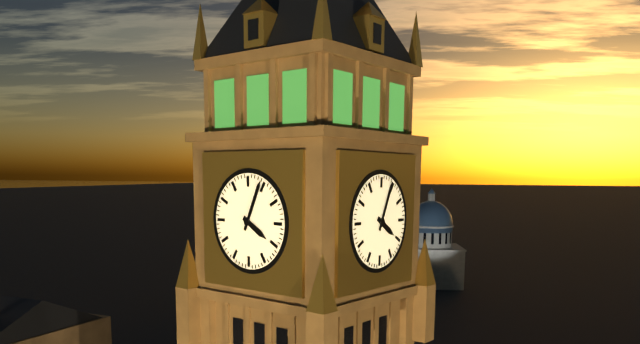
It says 4:04
